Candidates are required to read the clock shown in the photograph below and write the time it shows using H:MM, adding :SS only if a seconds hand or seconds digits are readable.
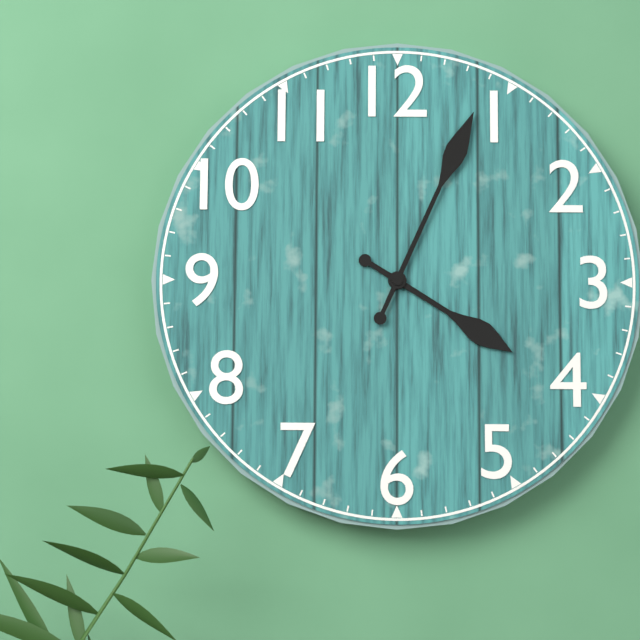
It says 4:04
